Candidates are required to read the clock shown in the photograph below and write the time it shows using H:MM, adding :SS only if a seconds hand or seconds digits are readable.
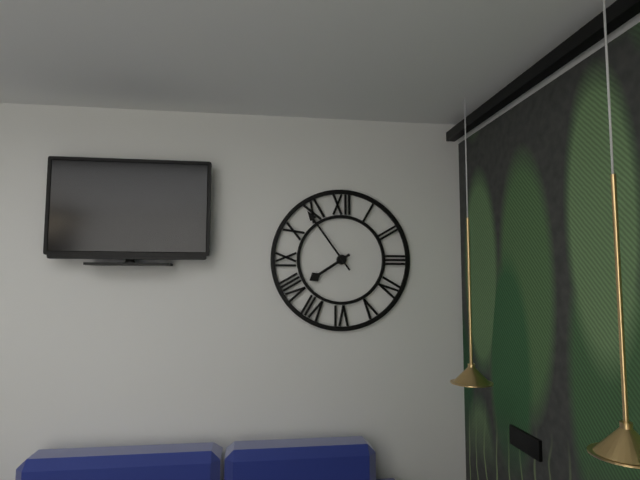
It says 7:54
